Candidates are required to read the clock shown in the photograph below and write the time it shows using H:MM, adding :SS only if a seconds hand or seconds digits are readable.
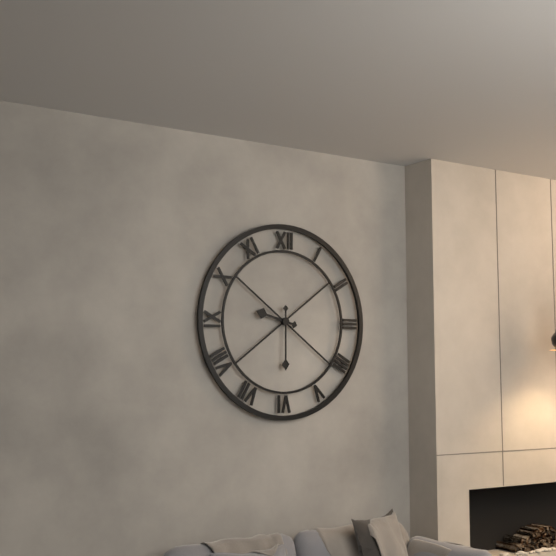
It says 9:30
